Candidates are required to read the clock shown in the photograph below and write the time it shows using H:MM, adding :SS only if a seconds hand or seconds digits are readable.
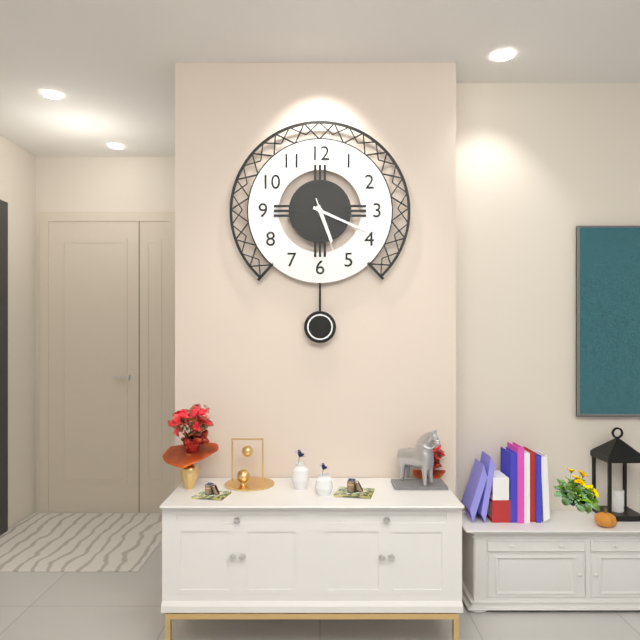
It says 5:19:27
